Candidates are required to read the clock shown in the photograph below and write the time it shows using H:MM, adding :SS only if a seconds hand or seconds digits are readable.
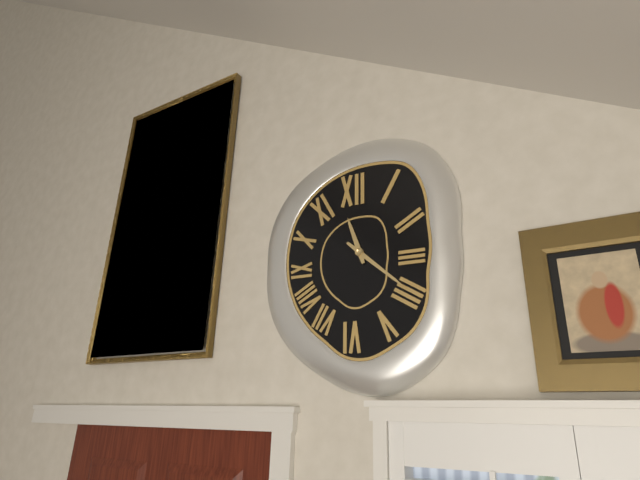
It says 11:22
